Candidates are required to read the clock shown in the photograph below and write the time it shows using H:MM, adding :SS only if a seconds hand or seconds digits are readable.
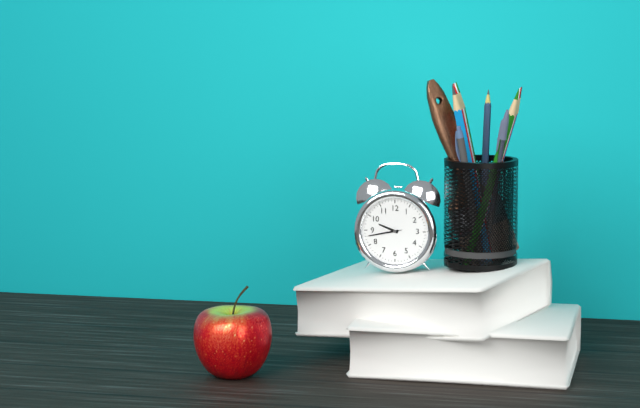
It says 9:43
